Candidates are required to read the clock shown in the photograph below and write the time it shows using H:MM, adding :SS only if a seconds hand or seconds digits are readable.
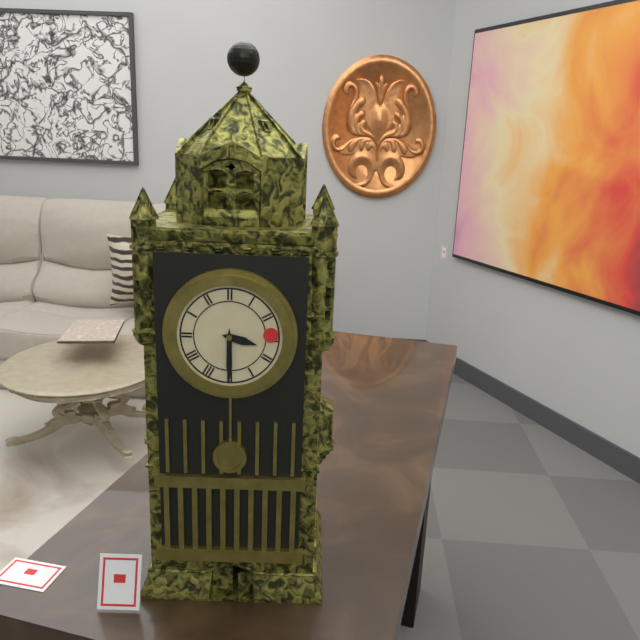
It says 3:30
